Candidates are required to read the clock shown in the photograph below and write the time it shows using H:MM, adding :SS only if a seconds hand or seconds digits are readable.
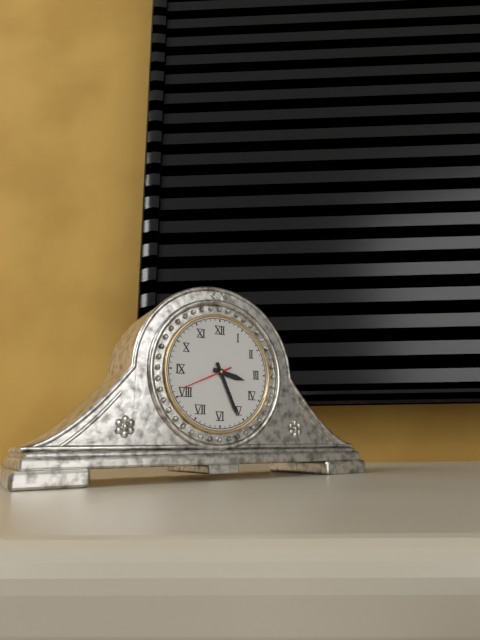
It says 3:26
